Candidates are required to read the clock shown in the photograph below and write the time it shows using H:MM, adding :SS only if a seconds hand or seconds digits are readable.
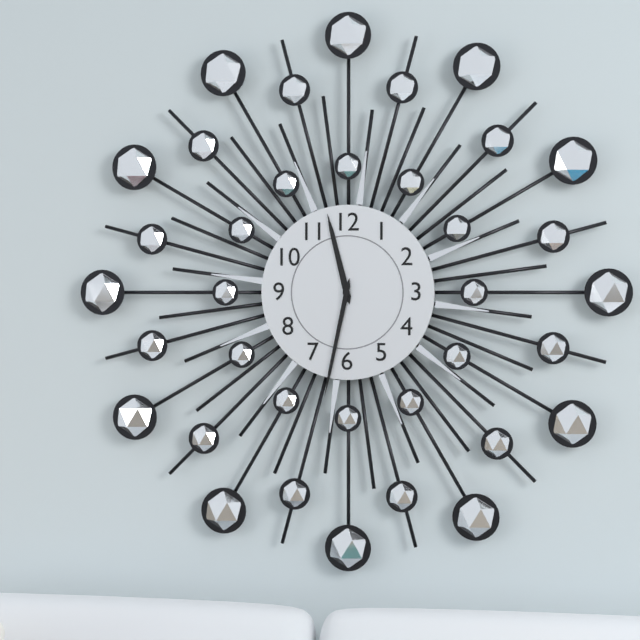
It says 11:32
